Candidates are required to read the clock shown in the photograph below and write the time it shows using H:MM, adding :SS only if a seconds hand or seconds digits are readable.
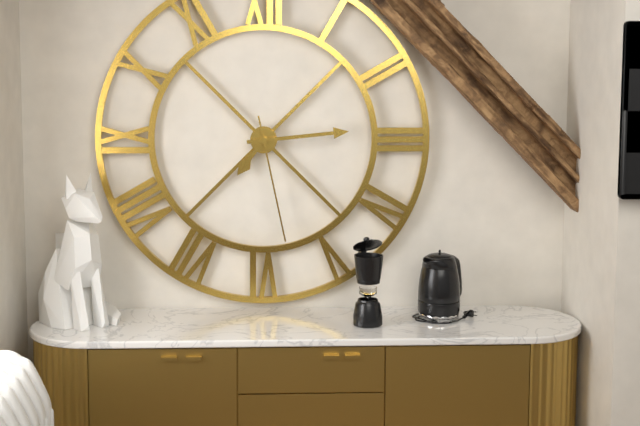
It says 7:14:28
